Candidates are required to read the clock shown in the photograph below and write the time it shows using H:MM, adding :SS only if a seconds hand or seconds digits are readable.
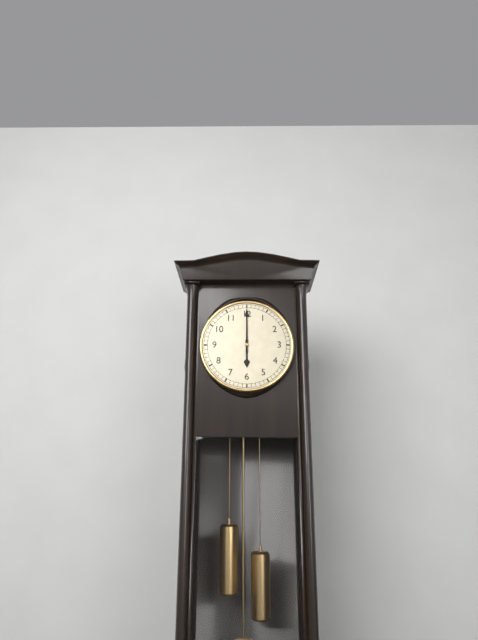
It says 6:00
